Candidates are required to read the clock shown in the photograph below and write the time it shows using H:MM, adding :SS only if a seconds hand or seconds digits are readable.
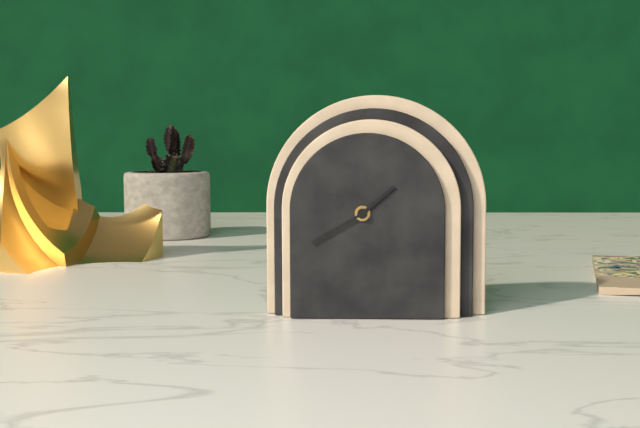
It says 1:40
